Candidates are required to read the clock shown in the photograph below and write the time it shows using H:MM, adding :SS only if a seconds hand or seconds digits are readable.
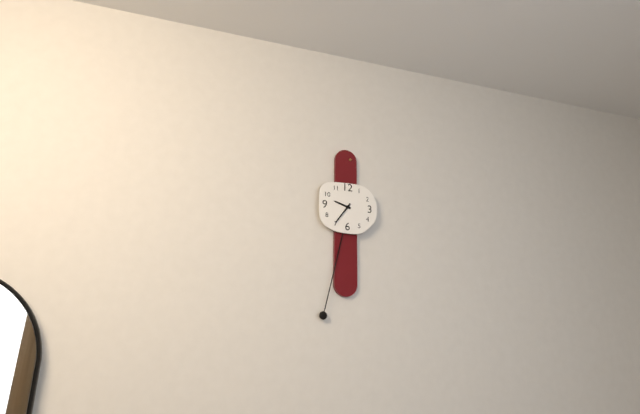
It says 9:36
